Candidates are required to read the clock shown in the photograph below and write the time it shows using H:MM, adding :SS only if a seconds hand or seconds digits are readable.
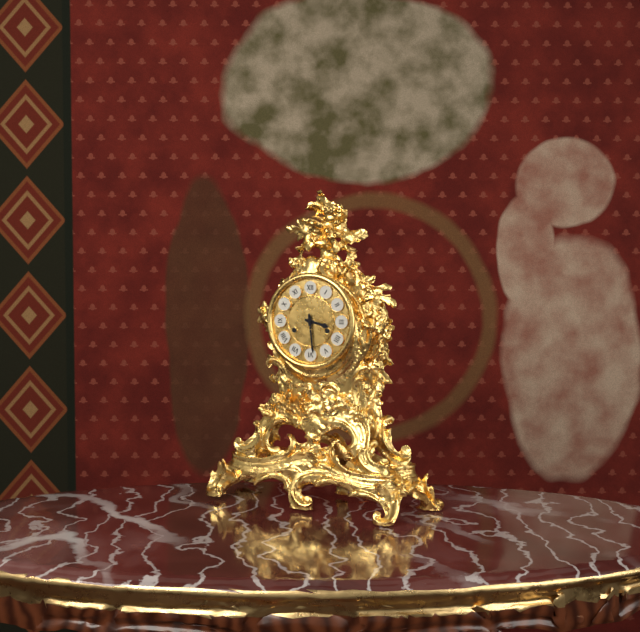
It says 3:29
